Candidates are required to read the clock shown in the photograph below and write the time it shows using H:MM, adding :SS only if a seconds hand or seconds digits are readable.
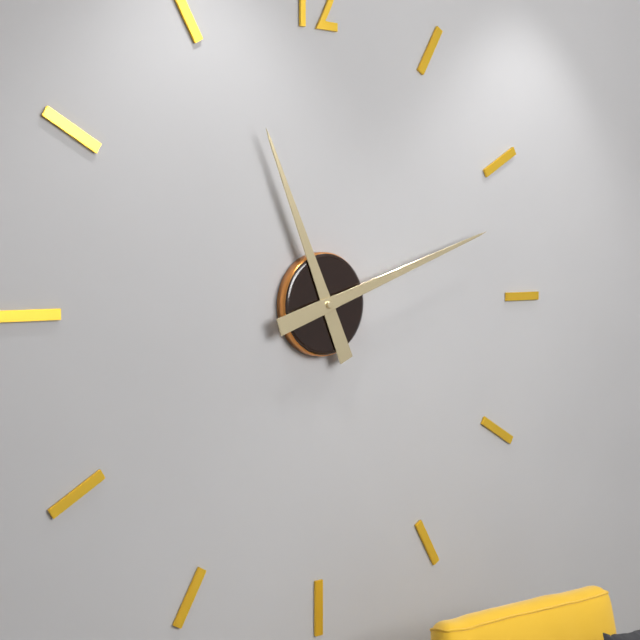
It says 11:12
